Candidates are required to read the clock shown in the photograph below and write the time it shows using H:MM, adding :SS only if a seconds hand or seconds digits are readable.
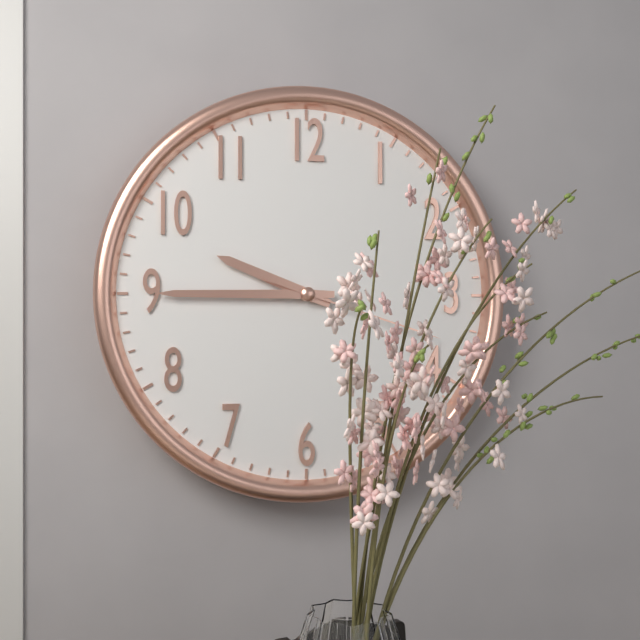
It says 9:45:18
